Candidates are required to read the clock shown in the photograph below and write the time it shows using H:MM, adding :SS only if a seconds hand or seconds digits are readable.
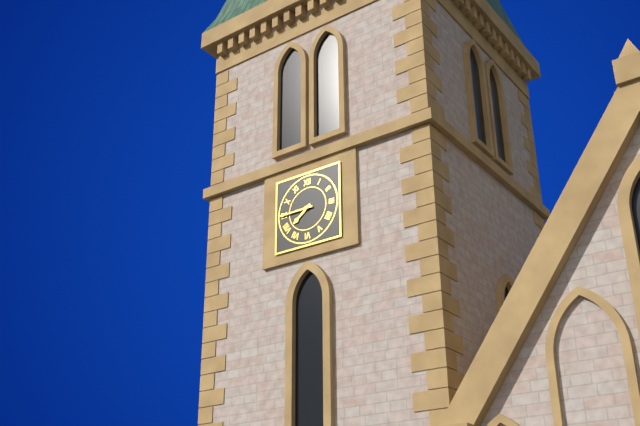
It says 7:45
